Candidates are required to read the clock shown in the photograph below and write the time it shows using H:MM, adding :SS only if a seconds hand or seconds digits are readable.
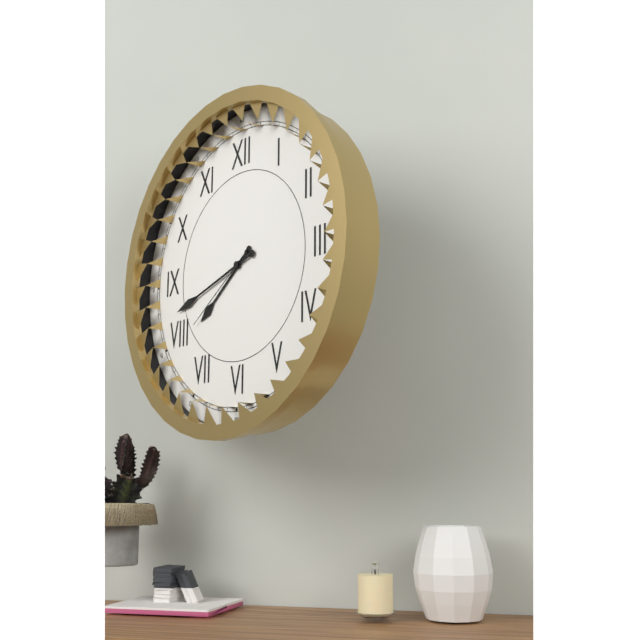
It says 7:42:39
